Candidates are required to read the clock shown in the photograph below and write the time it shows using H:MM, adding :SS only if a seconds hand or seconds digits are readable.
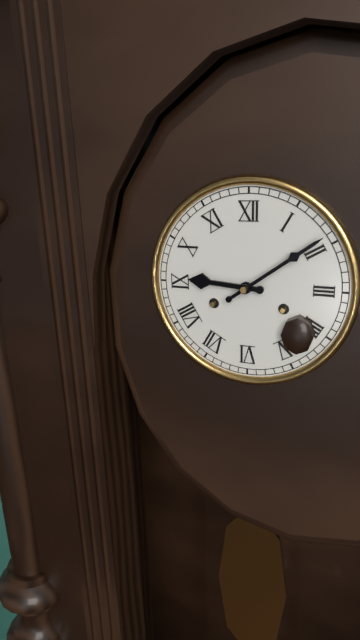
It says 9:09
